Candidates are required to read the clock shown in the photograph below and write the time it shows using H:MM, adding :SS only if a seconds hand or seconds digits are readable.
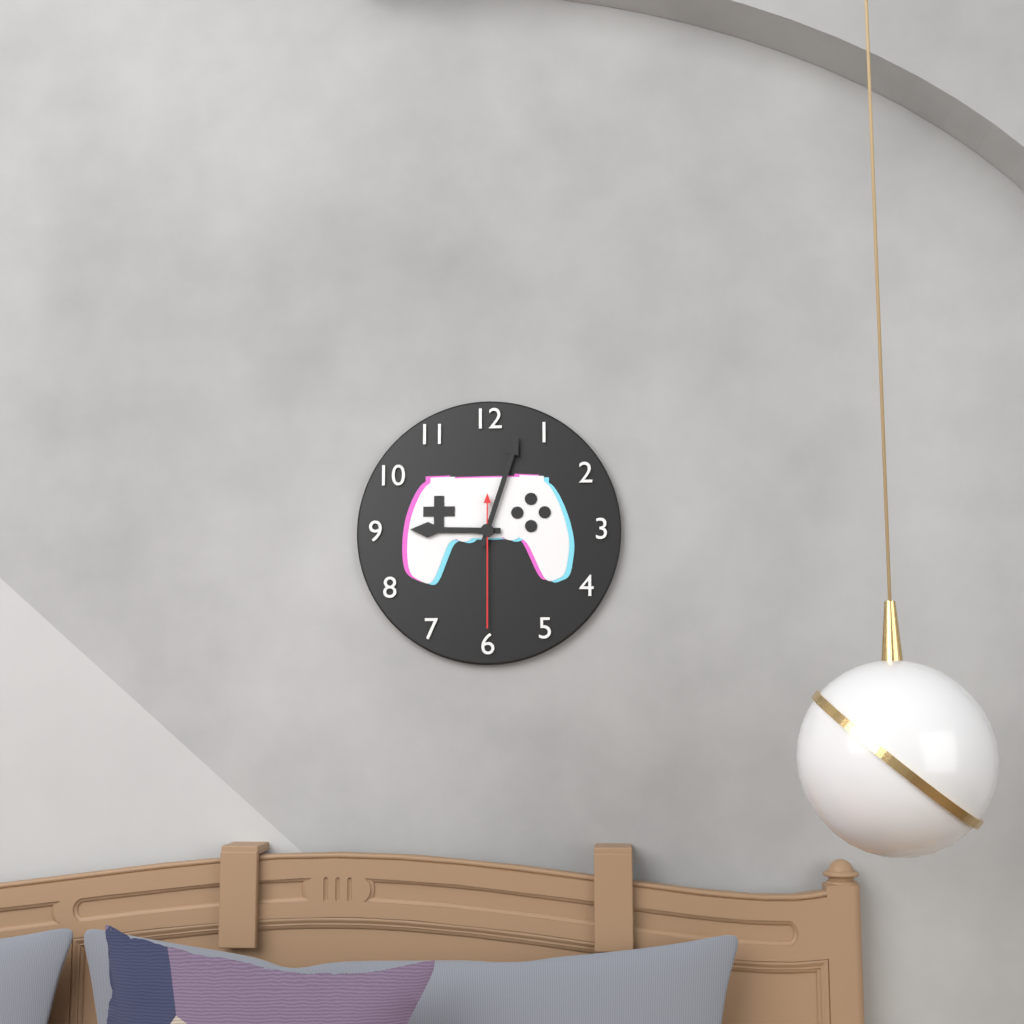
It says 9:03:30
